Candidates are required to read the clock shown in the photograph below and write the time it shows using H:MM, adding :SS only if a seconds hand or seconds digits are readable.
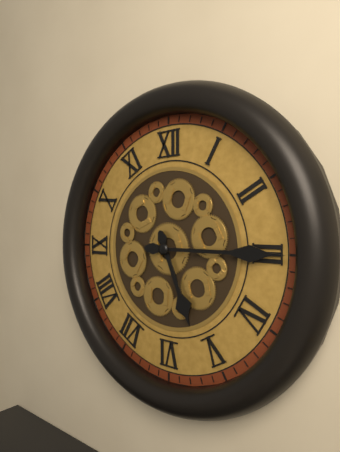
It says 5:15
